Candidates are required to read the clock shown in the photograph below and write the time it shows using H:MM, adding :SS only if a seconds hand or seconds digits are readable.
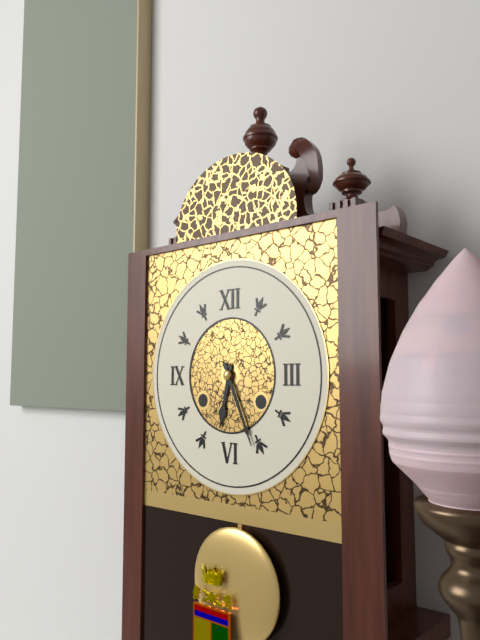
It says 6:26
